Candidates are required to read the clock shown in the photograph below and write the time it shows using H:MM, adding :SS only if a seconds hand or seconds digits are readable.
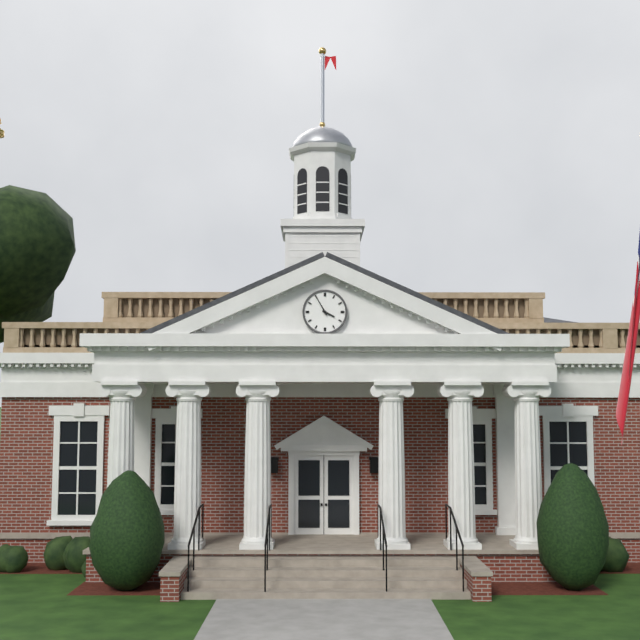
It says 3:55
